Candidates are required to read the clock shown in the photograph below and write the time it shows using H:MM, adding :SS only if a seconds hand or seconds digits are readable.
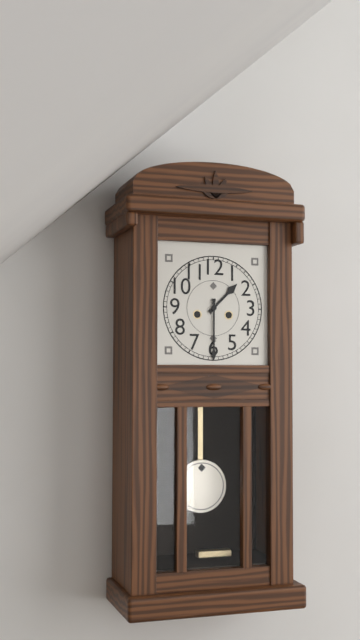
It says 1:30
